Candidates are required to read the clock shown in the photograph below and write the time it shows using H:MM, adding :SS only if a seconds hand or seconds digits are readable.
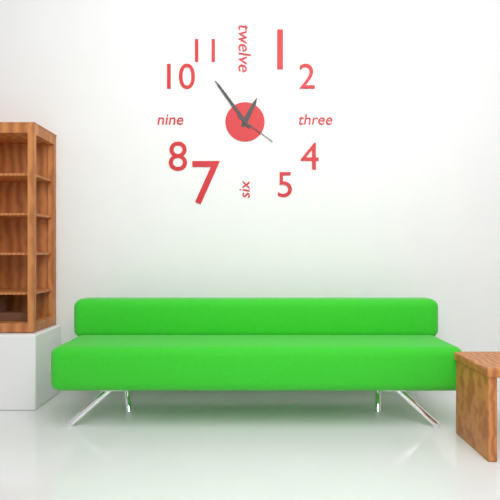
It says 12:54
